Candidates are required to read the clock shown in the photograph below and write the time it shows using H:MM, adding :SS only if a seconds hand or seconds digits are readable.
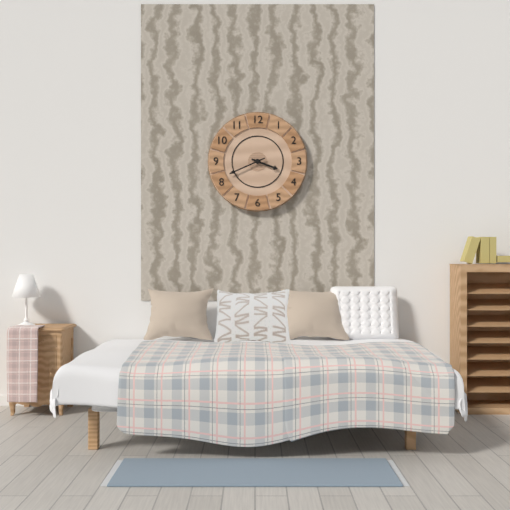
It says 3:41
